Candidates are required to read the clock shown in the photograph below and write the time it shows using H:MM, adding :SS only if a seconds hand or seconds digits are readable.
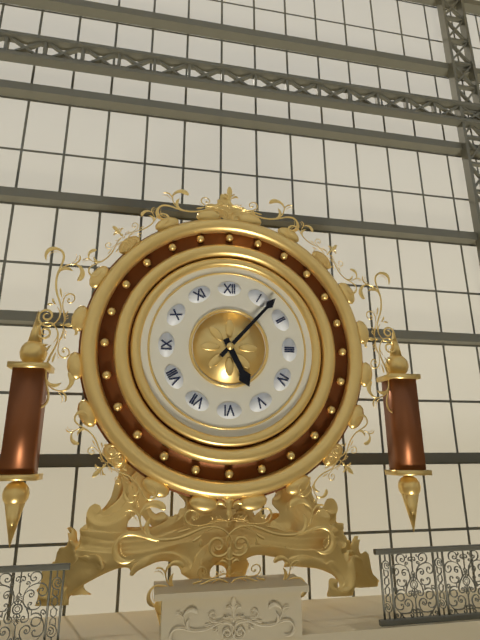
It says 5:07
